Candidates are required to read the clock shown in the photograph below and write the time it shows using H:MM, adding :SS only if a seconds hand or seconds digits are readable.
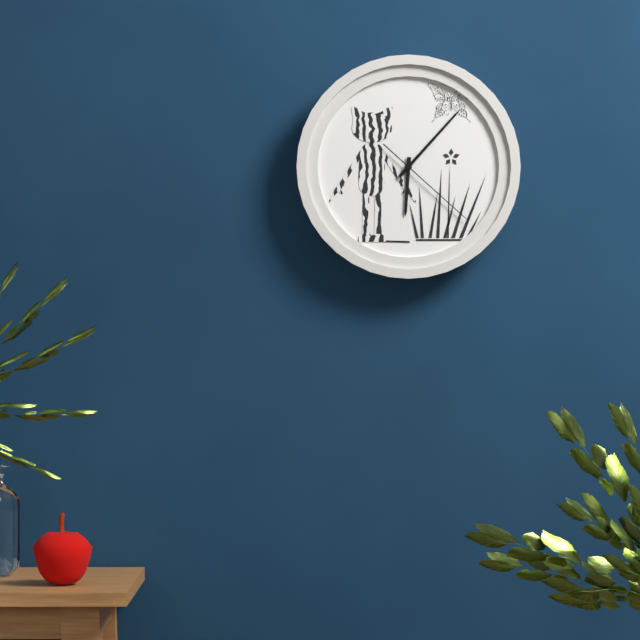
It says 6:07:22
